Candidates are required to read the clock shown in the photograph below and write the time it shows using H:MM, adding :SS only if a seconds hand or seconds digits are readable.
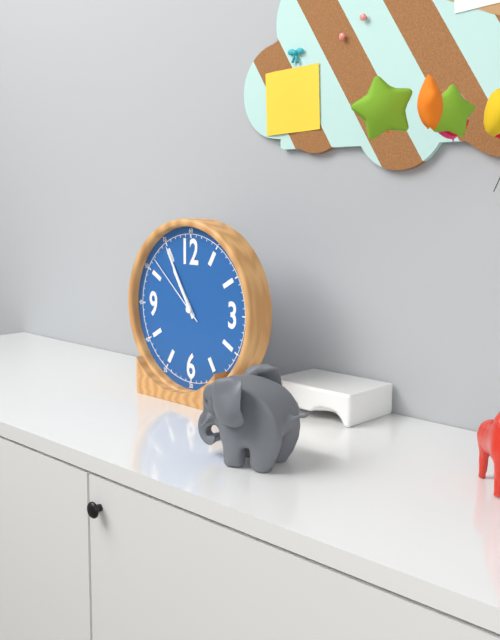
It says 10:55:52
